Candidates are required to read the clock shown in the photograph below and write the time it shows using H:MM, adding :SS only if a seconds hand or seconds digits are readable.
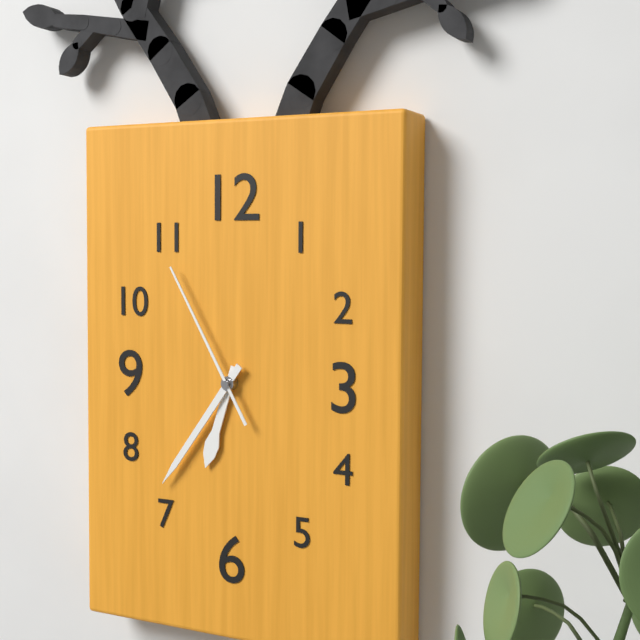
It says 6:36:55
